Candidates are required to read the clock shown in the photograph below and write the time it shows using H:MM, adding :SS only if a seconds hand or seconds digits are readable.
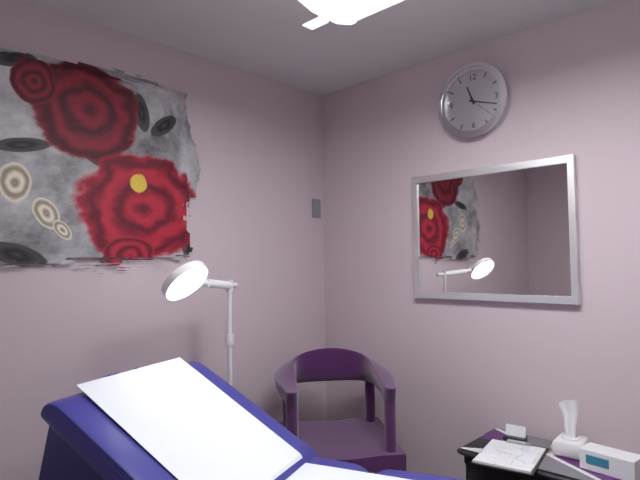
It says 11:18
